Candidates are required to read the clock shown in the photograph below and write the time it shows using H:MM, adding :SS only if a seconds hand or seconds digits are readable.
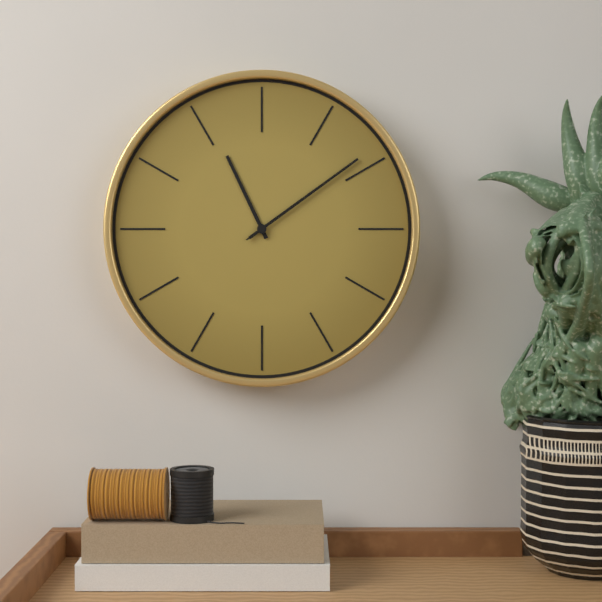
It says 11:09:09
